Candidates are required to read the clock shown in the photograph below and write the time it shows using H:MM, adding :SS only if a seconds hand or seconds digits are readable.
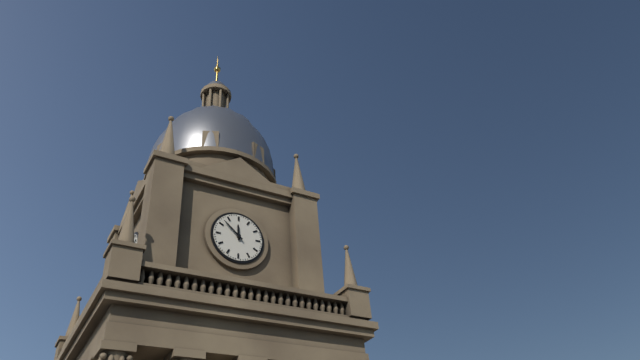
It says 11:52
